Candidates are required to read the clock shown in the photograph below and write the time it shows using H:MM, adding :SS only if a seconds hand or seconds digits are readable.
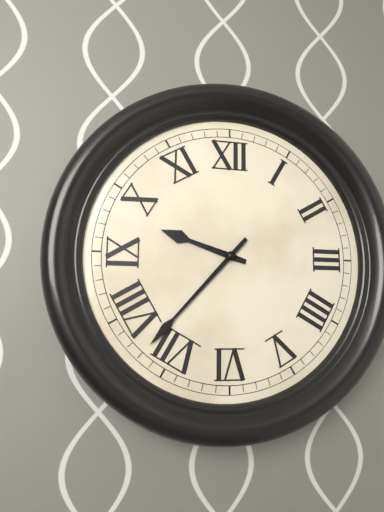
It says 9:37
